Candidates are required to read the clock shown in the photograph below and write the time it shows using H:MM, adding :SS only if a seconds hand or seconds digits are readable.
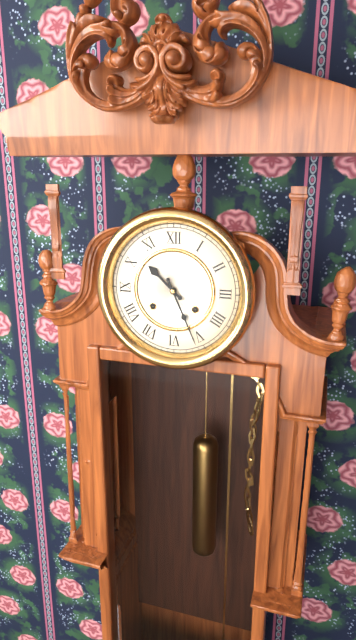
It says 10:26
